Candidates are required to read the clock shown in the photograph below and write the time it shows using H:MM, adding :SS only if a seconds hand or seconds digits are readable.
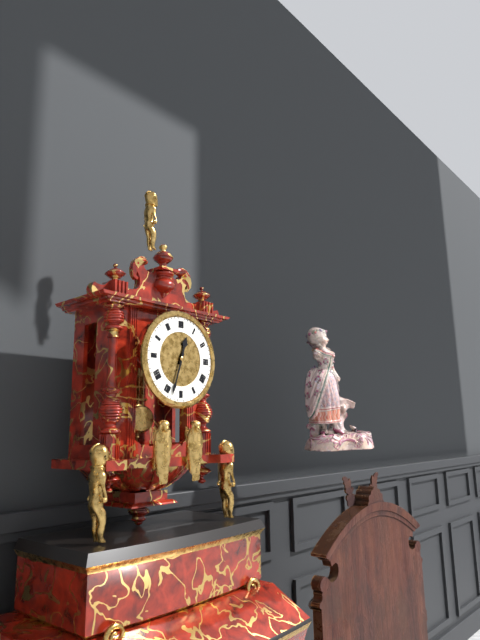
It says 12:33
